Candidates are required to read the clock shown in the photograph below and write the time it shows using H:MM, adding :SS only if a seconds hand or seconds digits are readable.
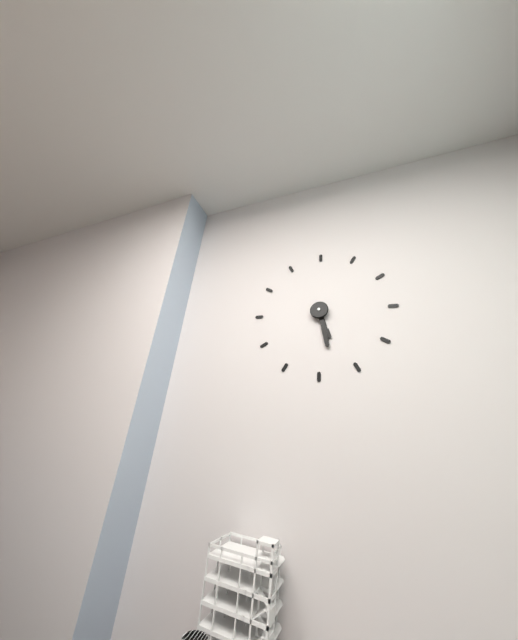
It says 5:28
